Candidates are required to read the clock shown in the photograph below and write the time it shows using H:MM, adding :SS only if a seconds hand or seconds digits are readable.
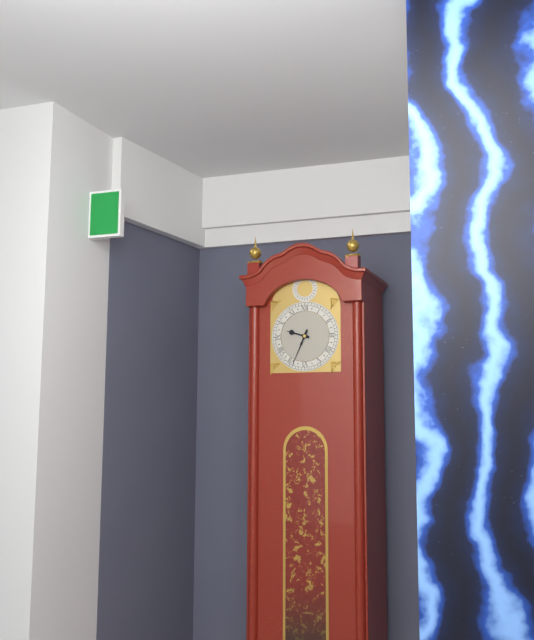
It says 9:34
